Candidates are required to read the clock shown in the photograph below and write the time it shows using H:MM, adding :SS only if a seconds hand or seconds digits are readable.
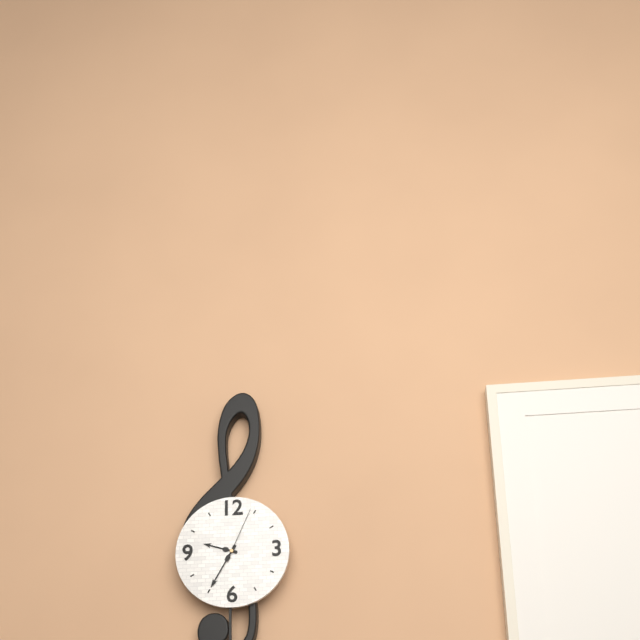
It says 9:35:04
